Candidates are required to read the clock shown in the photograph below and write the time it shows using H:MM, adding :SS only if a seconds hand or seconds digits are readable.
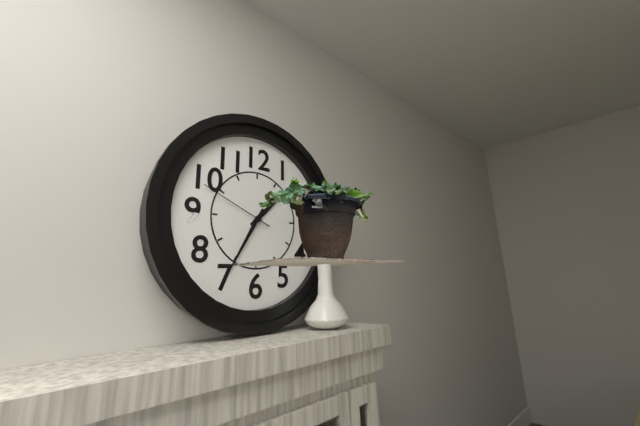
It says 1:35:49
